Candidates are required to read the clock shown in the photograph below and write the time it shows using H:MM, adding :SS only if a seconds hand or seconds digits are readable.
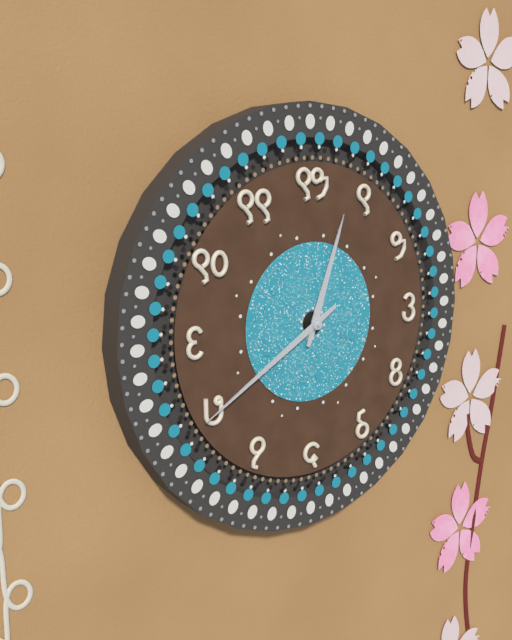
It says 12:40
